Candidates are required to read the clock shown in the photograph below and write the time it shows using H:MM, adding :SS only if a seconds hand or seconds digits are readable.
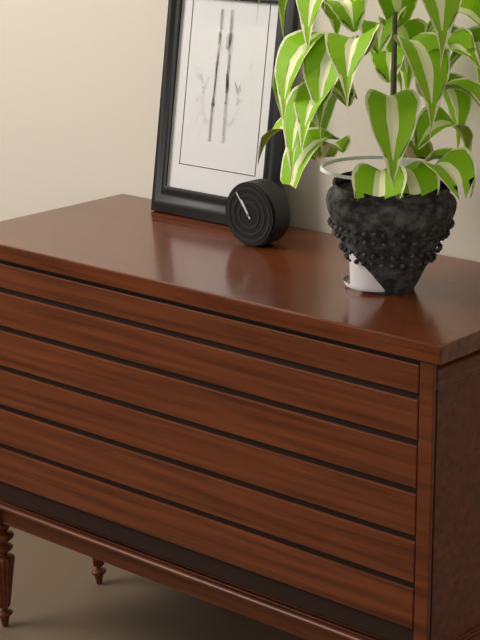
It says 10:54
